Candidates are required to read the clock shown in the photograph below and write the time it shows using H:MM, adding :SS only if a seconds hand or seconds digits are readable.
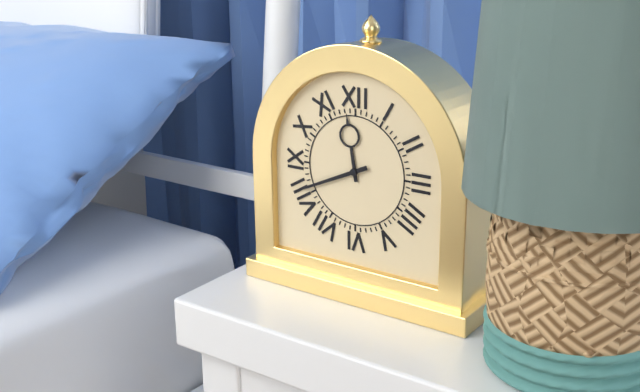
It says 11:41
